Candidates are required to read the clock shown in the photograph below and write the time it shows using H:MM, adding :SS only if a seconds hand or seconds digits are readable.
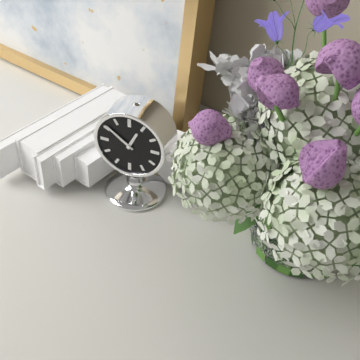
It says 12:51
